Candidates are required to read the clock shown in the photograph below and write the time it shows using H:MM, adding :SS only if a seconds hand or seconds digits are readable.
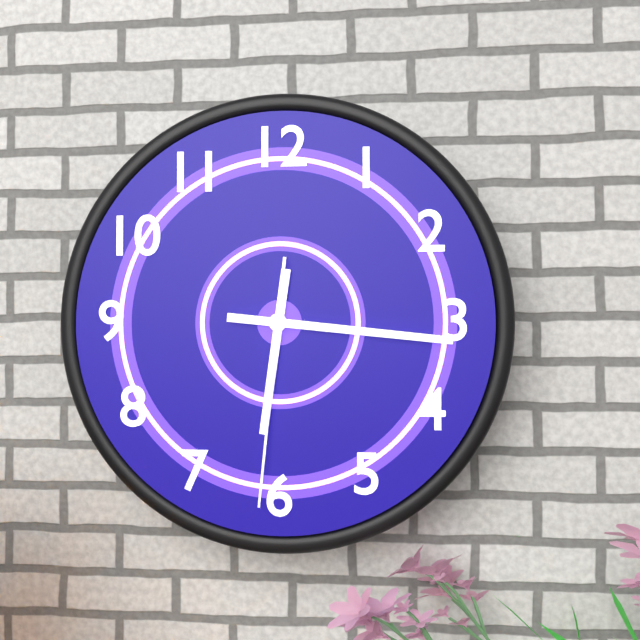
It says 6:16:31
